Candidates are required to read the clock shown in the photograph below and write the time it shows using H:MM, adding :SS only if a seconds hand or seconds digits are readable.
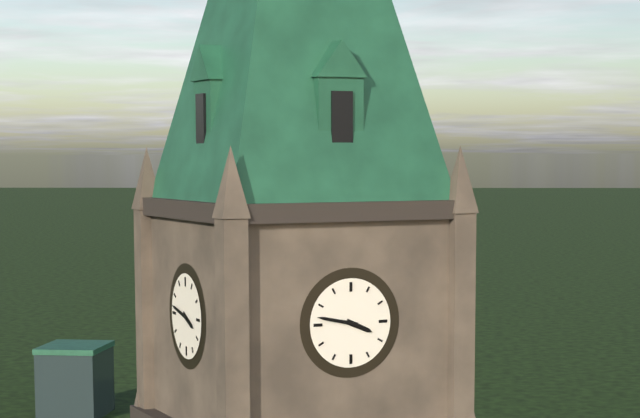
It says 3:47
